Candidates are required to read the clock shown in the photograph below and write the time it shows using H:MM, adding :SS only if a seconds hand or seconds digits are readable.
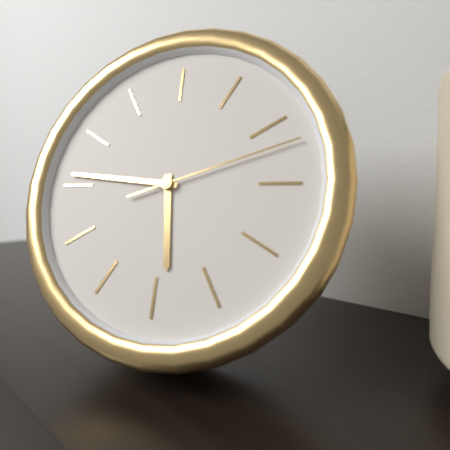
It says 5:46:12
